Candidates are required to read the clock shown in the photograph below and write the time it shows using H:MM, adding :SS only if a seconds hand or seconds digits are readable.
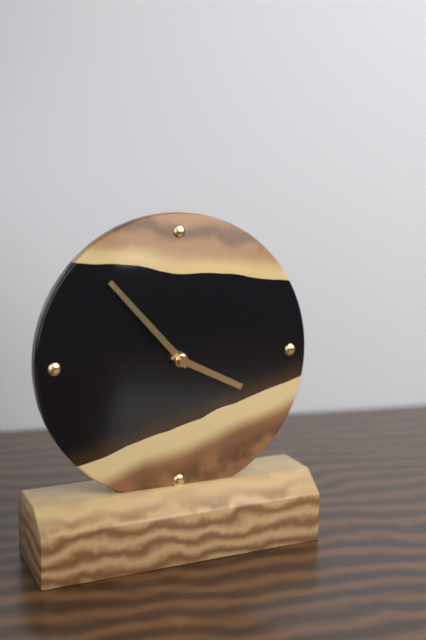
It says 3:53
